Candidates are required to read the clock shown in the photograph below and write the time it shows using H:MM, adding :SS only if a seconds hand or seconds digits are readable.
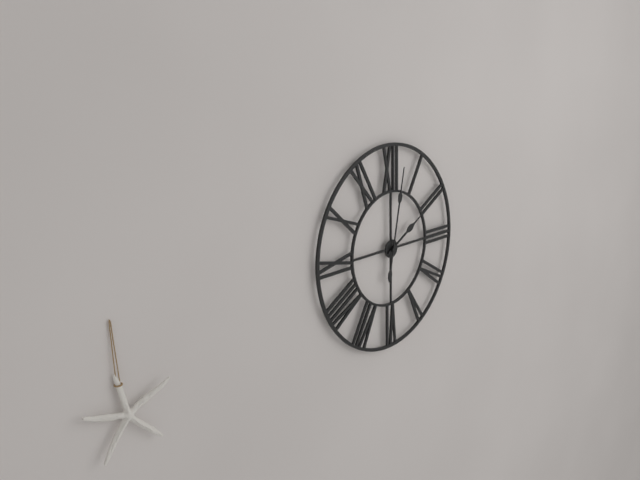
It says 2:02
